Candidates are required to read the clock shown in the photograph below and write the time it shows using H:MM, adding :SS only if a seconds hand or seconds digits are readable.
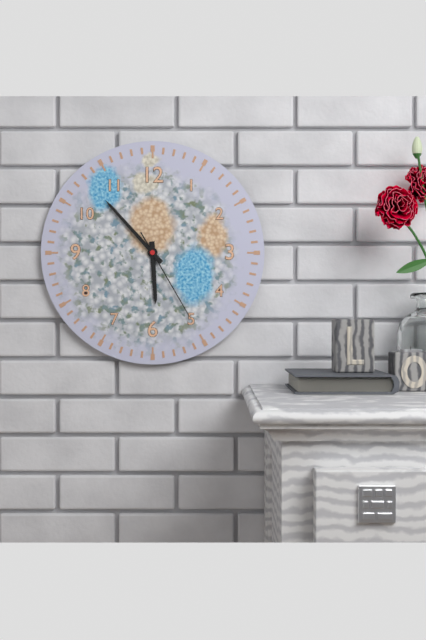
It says 5:53:25
